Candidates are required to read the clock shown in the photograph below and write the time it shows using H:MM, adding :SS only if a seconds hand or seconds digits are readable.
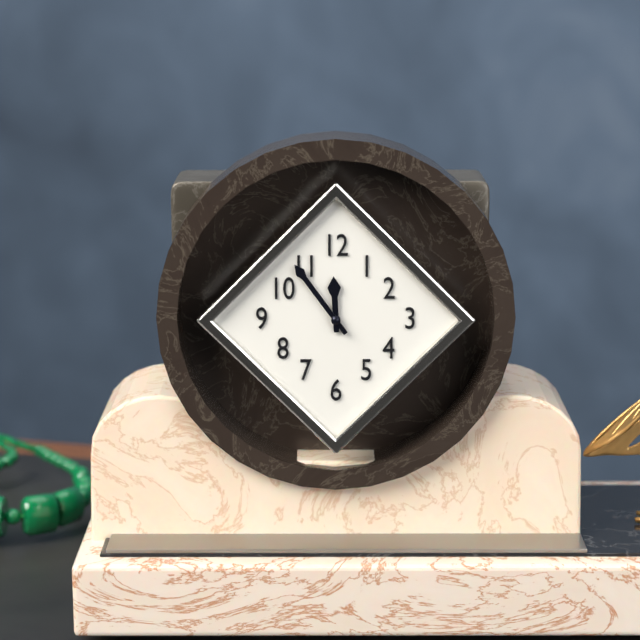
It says 11:54
